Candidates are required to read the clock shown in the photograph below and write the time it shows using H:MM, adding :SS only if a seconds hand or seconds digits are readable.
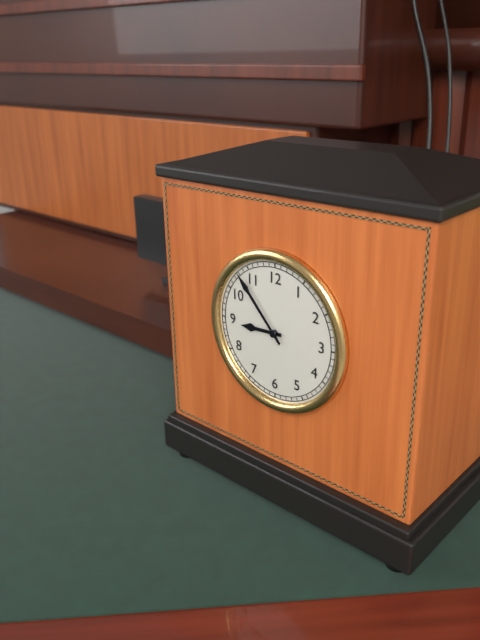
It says 8:53
